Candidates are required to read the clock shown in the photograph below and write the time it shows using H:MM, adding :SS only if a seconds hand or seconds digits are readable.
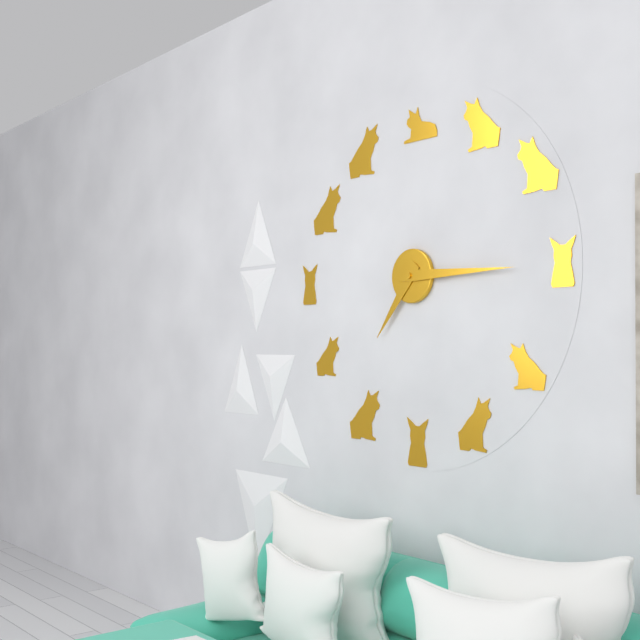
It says 7:15
